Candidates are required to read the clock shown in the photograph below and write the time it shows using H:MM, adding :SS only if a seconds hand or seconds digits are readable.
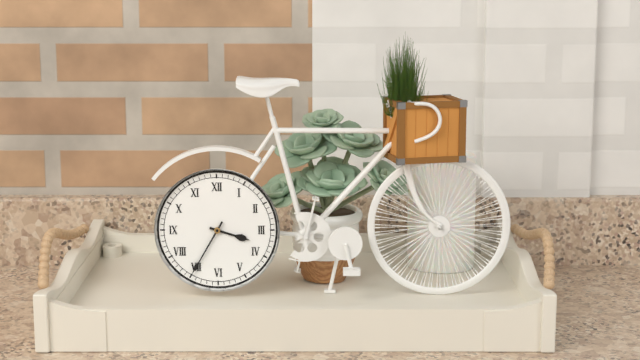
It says 3:35
